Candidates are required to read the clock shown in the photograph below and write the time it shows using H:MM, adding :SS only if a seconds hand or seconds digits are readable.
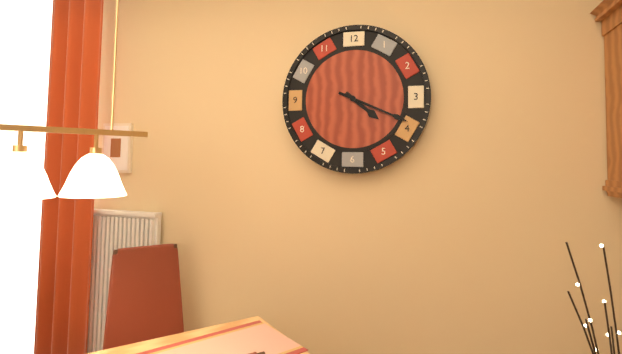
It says 4:19
